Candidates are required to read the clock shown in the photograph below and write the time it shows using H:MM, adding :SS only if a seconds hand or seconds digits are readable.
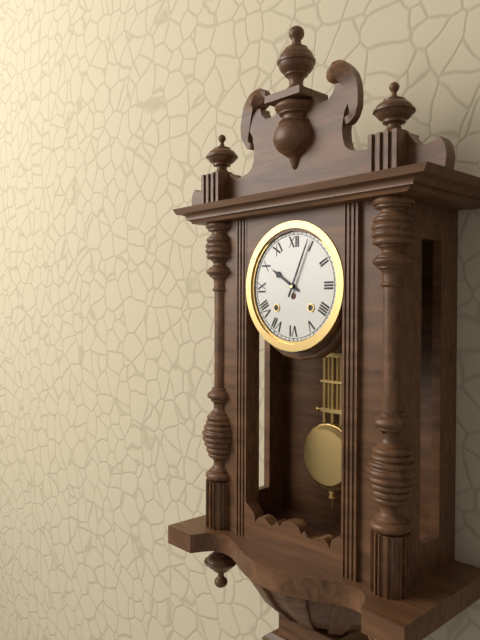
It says 10:04
